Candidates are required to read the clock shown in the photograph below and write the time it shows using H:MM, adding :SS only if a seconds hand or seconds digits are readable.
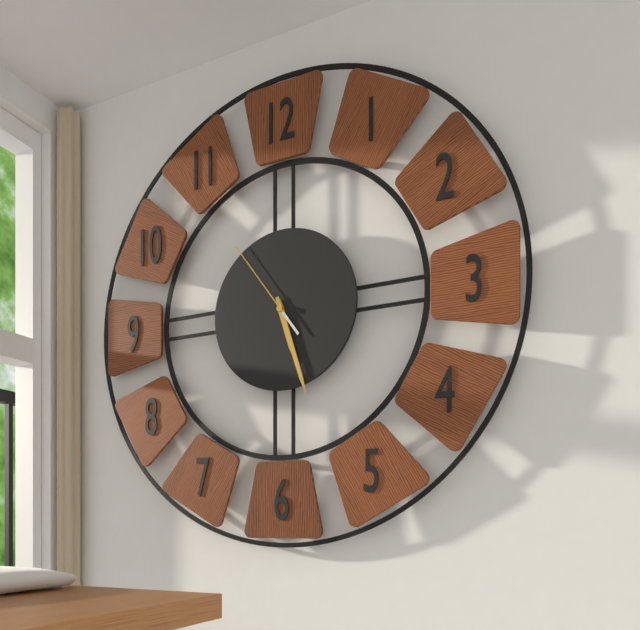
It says 5:27:54
